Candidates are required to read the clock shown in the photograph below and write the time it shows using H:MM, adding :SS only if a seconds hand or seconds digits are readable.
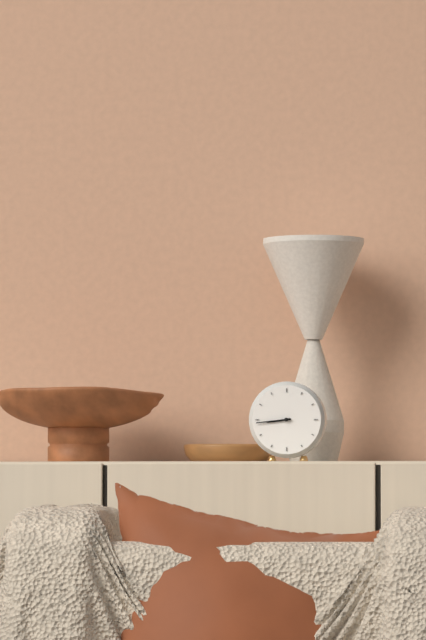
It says 8:44
